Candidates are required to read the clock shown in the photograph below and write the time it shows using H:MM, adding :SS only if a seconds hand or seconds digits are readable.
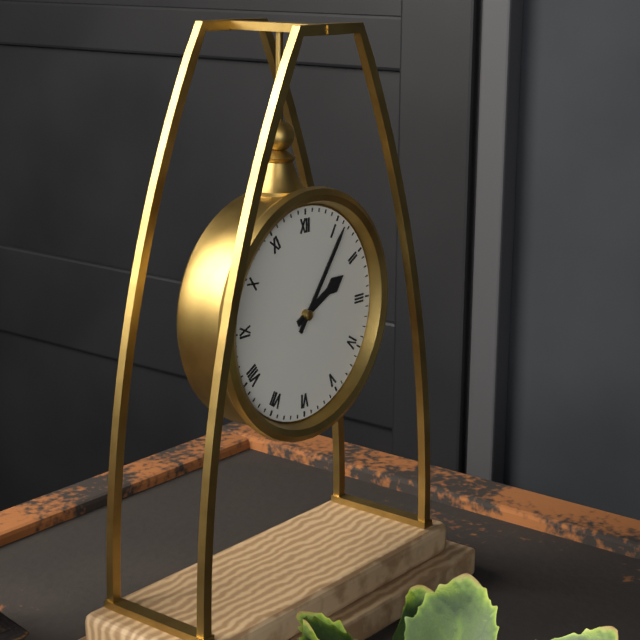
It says 2:06
